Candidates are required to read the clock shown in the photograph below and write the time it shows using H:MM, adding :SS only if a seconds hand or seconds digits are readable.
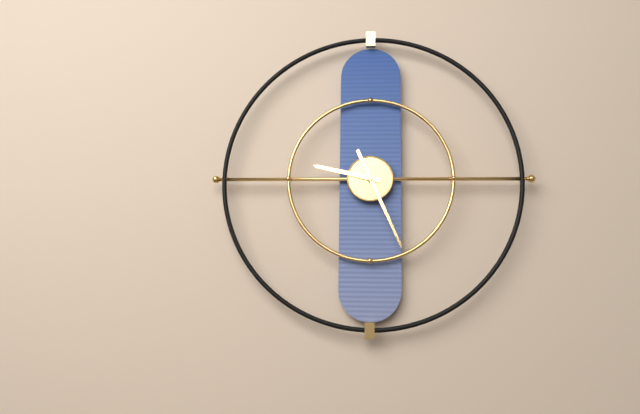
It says 9:26
